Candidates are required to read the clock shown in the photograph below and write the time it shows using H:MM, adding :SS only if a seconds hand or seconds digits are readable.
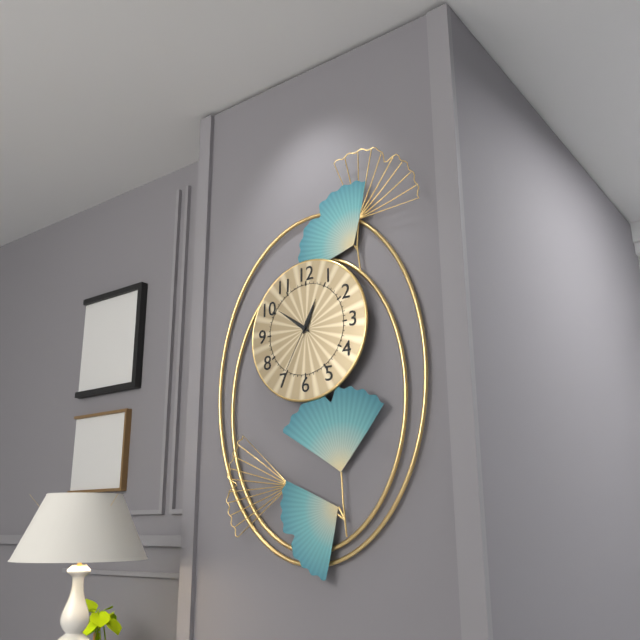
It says 12:51:35
